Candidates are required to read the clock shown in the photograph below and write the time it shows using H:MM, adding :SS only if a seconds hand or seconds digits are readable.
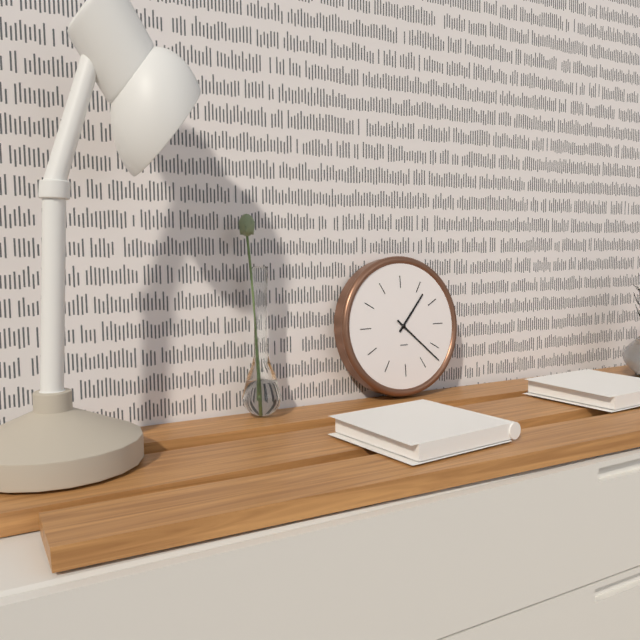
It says 1:22
